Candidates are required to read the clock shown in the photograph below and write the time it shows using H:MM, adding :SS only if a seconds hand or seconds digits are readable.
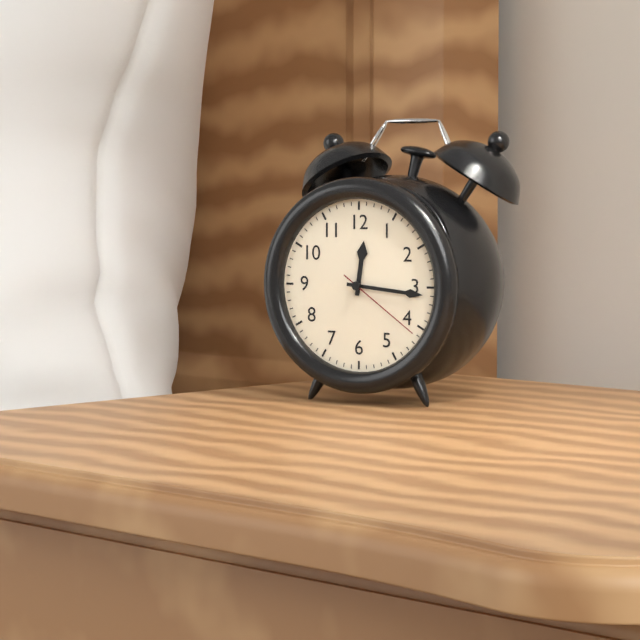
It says 12:16:21
